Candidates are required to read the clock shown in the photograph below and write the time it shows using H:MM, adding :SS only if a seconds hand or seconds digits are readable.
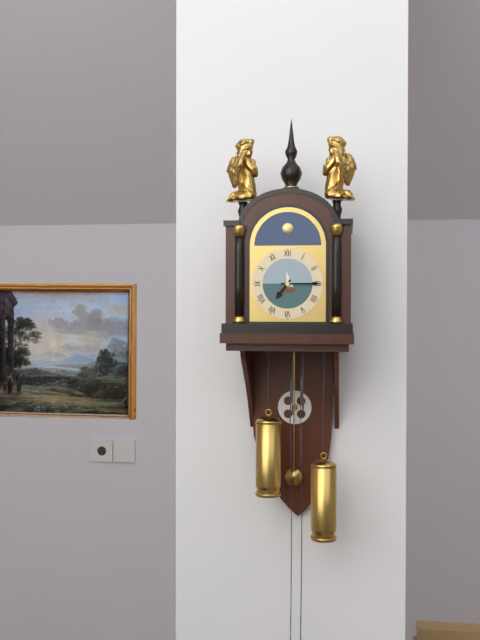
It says 7:15
